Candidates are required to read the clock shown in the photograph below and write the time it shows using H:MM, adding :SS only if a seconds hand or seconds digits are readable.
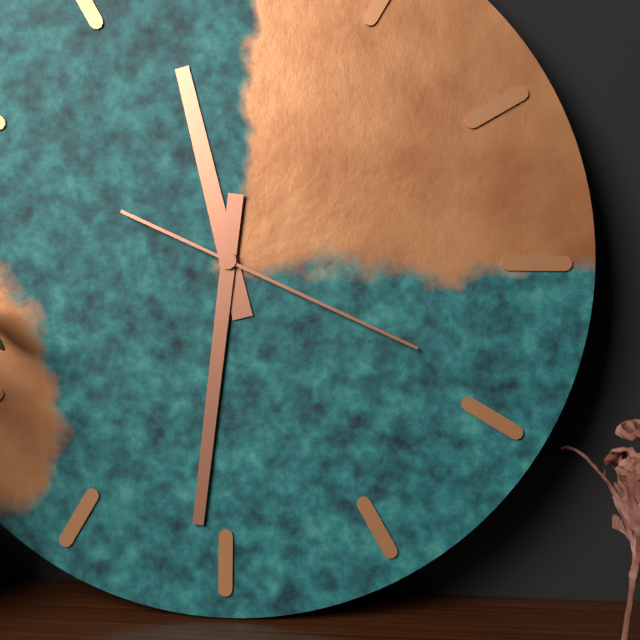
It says 11:31:19
